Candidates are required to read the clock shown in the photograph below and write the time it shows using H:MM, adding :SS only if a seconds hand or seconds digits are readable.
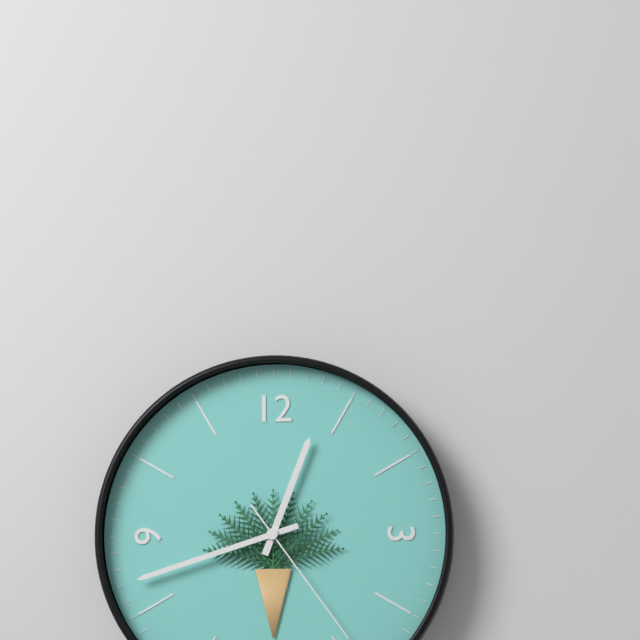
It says 12:42:24
